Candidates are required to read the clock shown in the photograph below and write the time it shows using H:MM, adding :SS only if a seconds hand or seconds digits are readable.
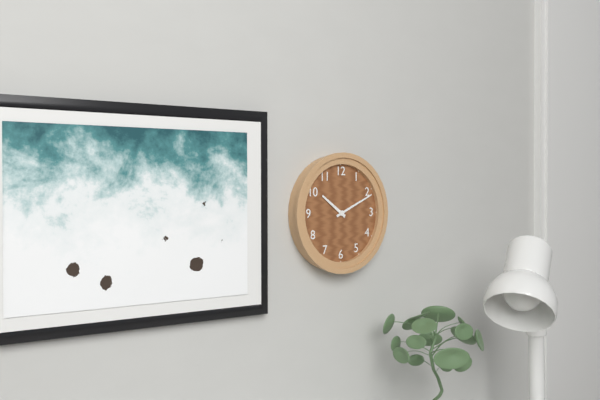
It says 10:11
